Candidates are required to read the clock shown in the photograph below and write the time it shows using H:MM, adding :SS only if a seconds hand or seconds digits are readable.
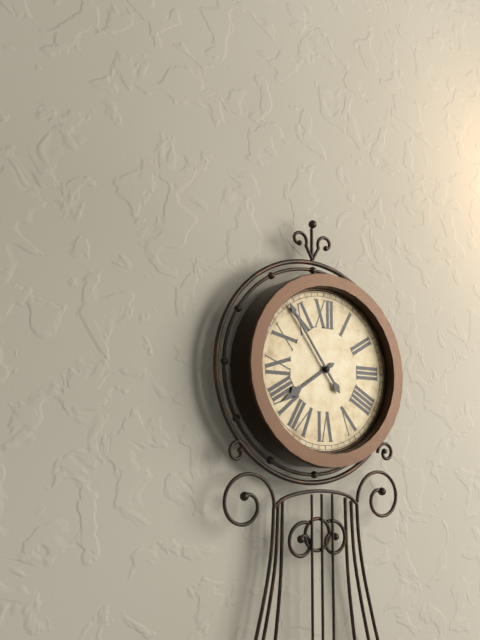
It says 7:54
